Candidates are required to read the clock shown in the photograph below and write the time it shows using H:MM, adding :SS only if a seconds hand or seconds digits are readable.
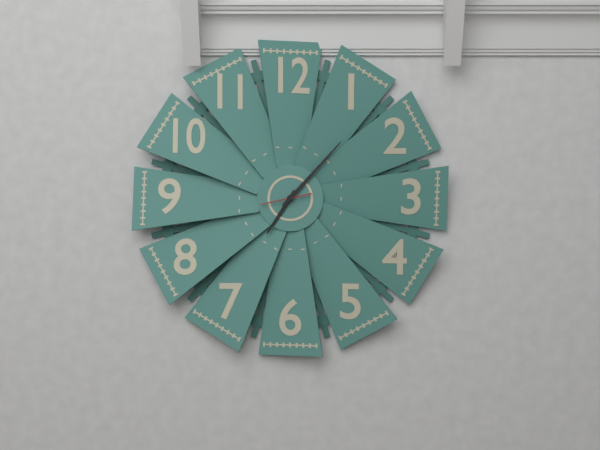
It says 7:07
